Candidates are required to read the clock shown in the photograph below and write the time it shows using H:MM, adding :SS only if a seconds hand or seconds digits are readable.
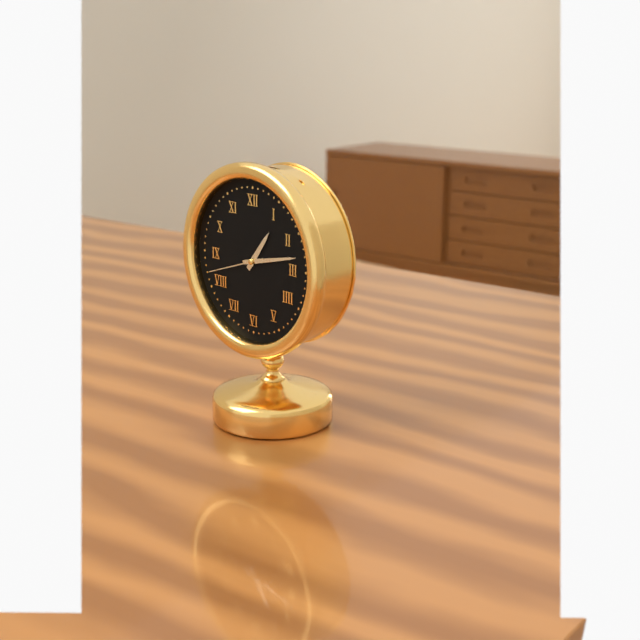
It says 1:13:42
